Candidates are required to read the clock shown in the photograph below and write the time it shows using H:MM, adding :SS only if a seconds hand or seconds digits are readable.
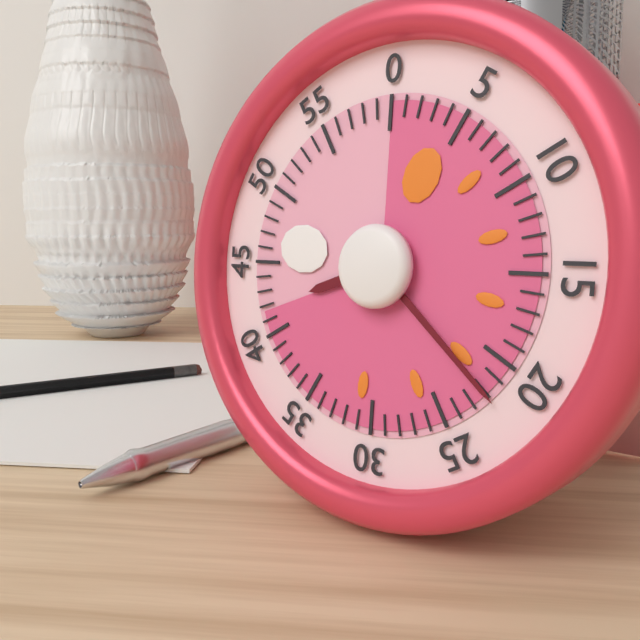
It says 8:22
